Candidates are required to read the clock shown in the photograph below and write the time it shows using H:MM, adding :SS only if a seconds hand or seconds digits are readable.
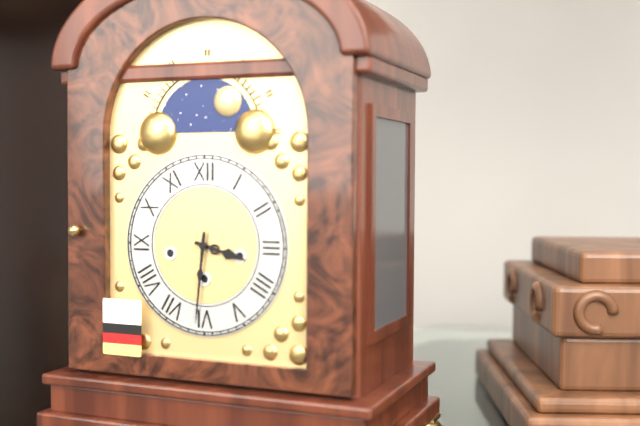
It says 3:31
